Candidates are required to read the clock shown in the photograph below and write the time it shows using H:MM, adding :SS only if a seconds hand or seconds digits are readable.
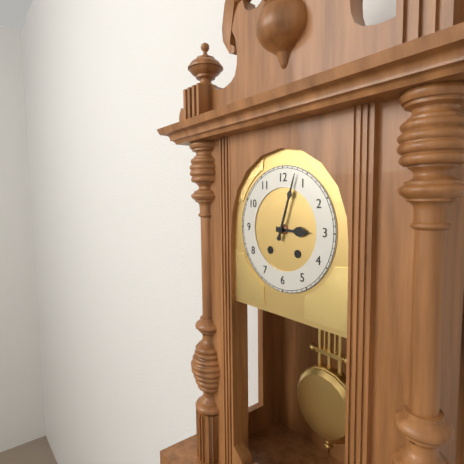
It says 3:03
